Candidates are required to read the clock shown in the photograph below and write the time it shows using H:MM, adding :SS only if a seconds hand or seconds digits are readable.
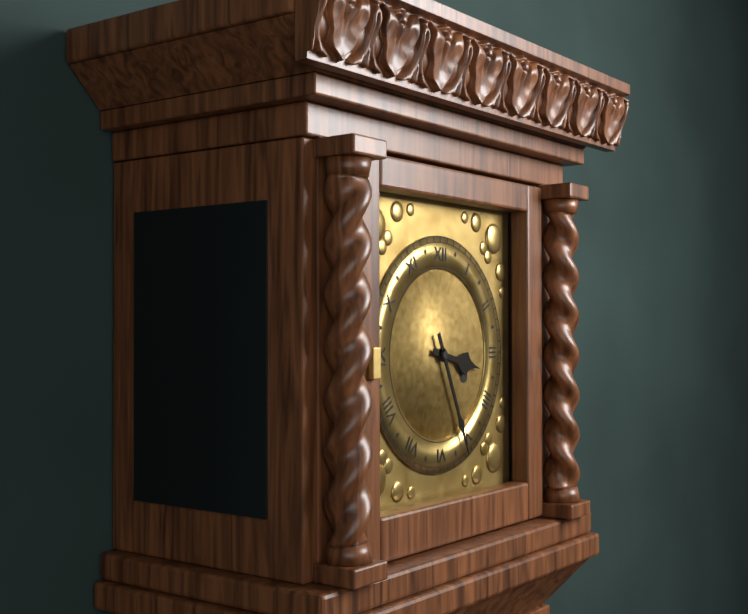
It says 3:26
